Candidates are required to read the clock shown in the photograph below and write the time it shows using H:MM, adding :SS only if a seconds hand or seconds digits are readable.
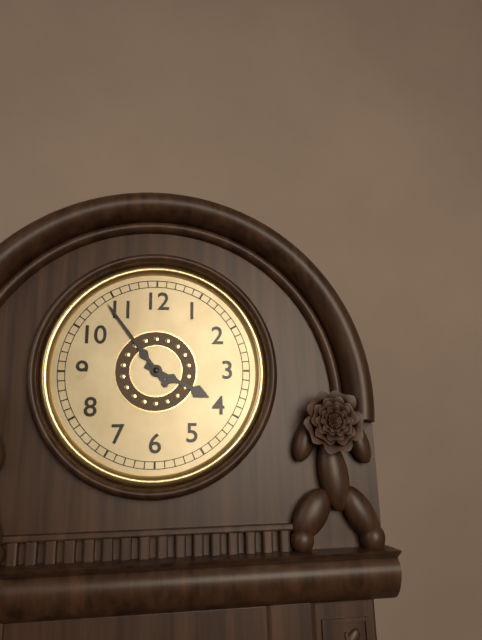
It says 3:54
